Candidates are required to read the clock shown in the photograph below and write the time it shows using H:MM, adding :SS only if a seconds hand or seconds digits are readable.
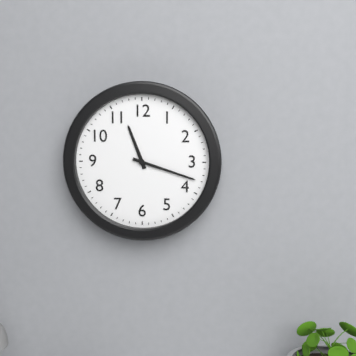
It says 11:18
